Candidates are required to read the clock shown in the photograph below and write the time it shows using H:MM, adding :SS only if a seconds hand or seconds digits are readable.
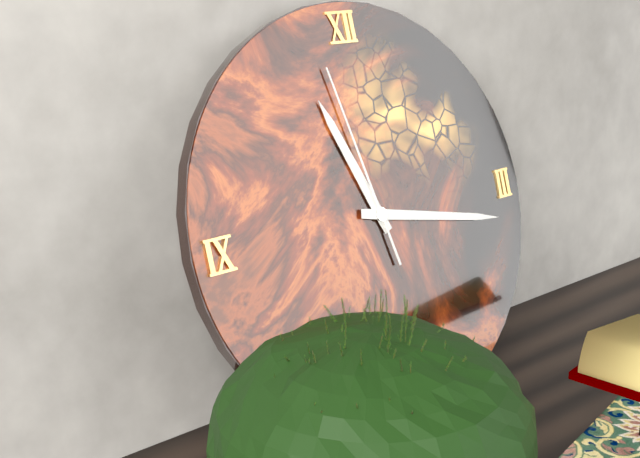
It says 11:17:58
